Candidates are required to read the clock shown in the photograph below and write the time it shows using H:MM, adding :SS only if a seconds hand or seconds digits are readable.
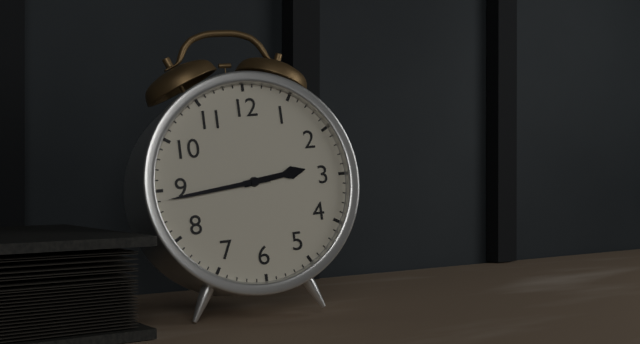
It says 2:44
